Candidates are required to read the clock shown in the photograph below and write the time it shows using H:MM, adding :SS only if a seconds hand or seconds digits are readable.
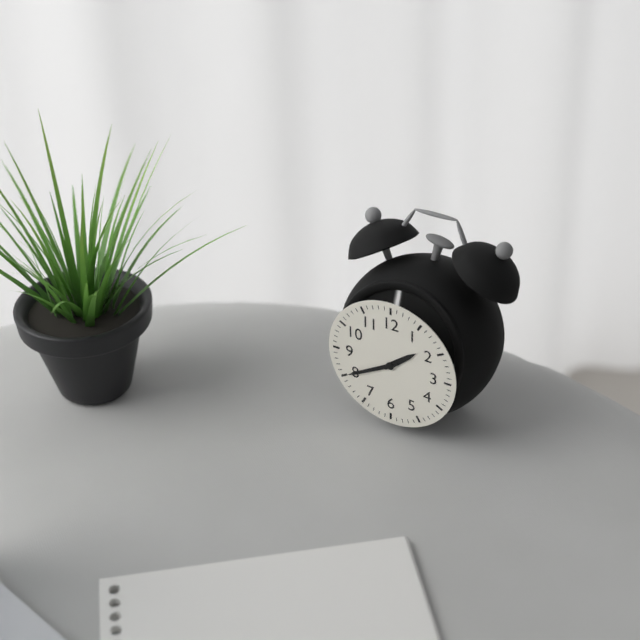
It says 1:40
